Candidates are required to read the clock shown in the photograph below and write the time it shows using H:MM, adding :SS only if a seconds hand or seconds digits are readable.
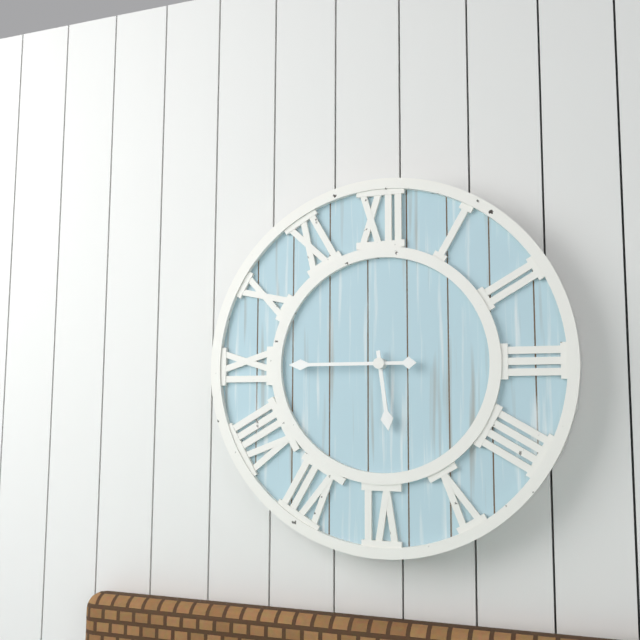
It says 5:45
